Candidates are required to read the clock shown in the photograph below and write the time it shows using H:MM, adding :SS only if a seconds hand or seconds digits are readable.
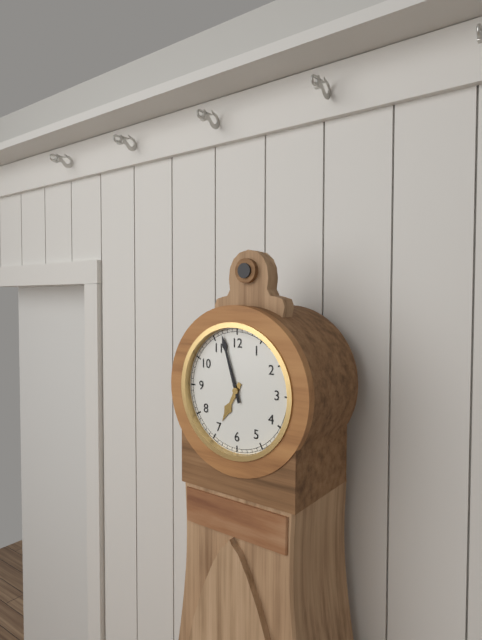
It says 6:57
